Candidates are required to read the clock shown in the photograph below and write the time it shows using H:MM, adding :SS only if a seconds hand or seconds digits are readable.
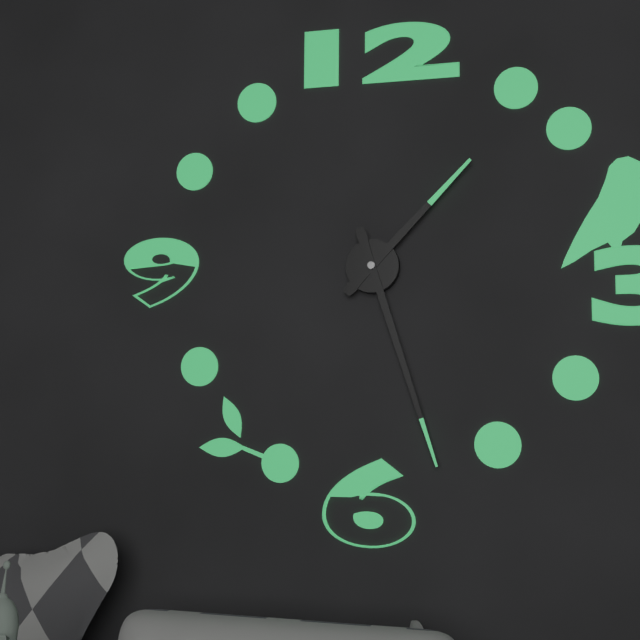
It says 1:27
